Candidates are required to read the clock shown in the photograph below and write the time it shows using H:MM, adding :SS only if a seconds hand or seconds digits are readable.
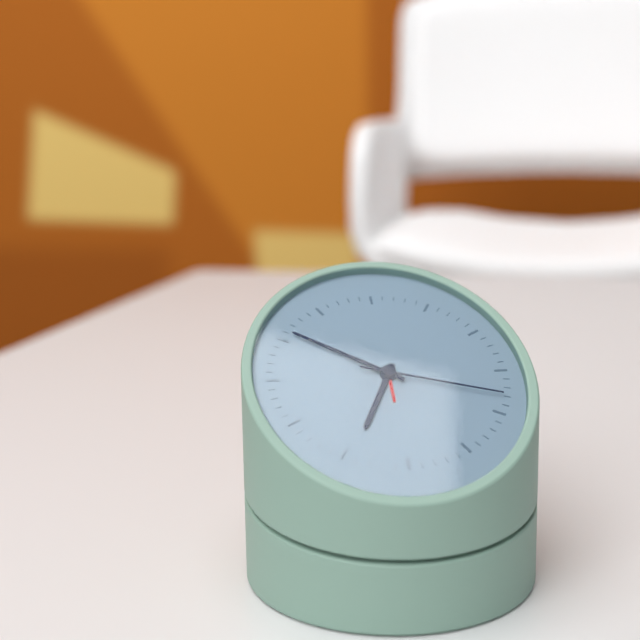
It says 6:51:18
